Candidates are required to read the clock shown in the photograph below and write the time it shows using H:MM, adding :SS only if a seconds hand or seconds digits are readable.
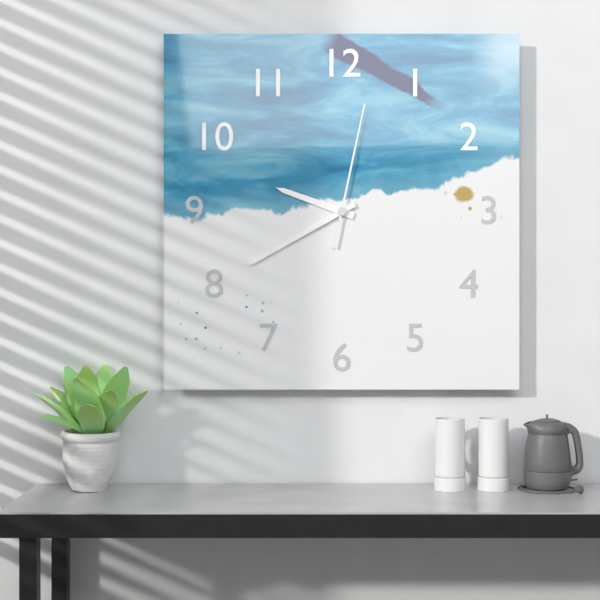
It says 9:40:02
